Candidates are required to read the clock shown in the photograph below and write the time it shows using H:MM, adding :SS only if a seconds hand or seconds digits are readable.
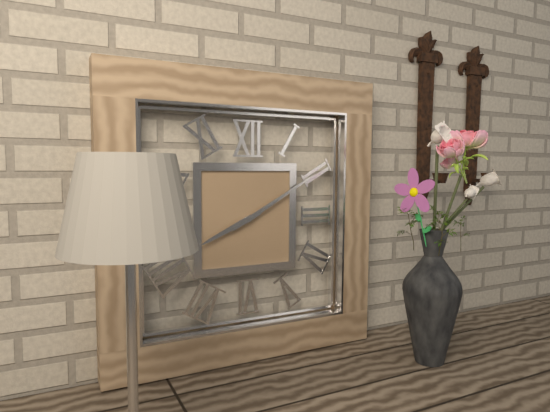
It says 8:10
